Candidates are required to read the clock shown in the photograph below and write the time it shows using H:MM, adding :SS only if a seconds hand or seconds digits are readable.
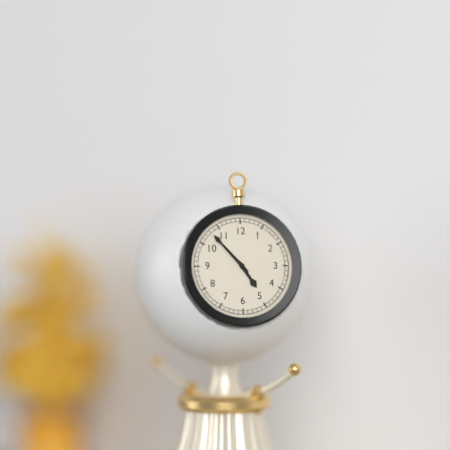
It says 4:53
